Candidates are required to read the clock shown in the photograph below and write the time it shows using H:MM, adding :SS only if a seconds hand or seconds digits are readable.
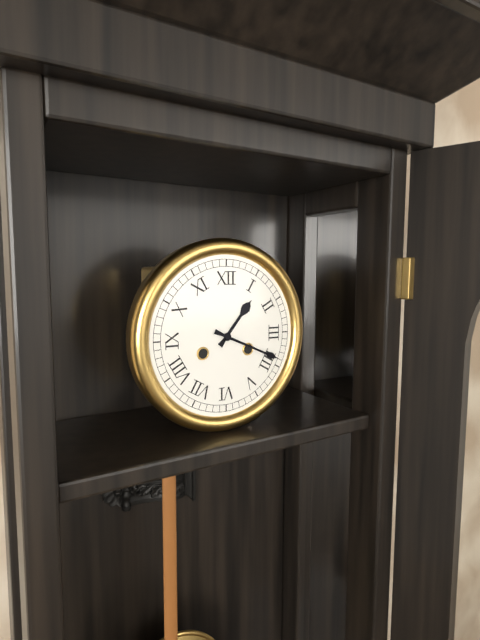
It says 1:19
